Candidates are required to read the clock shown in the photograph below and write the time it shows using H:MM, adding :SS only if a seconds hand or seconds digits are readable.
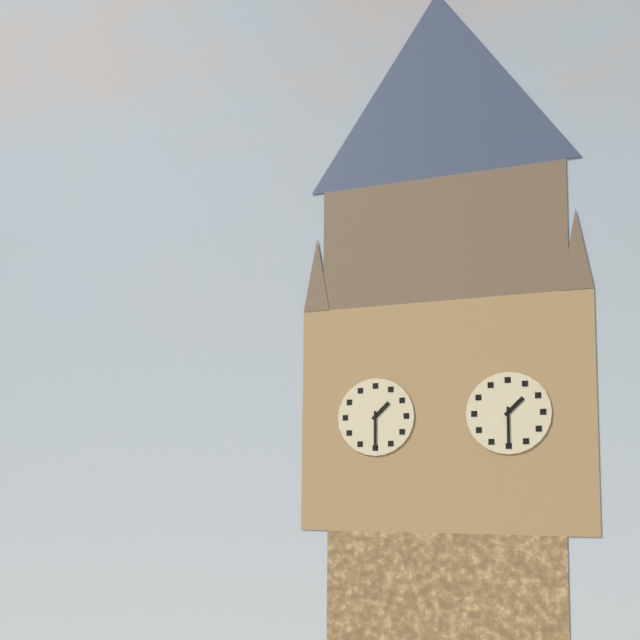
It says 1:30
